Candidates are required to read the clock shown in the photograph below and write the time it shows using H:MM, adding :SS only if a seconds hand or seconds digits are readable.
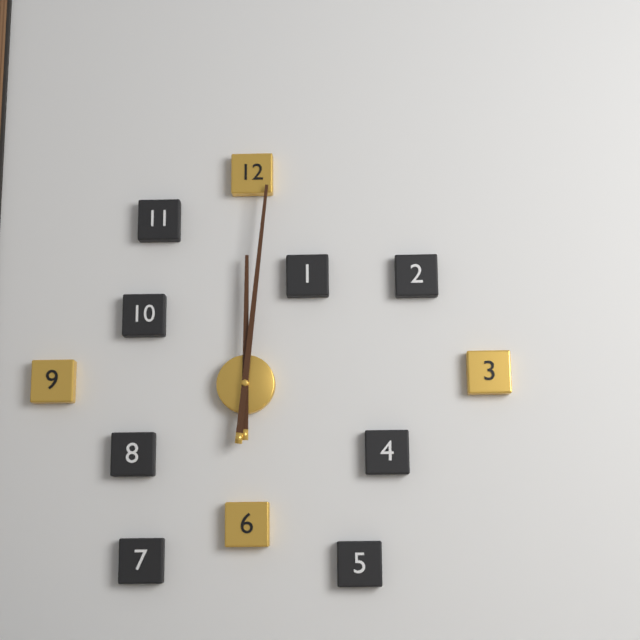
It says 12:01
